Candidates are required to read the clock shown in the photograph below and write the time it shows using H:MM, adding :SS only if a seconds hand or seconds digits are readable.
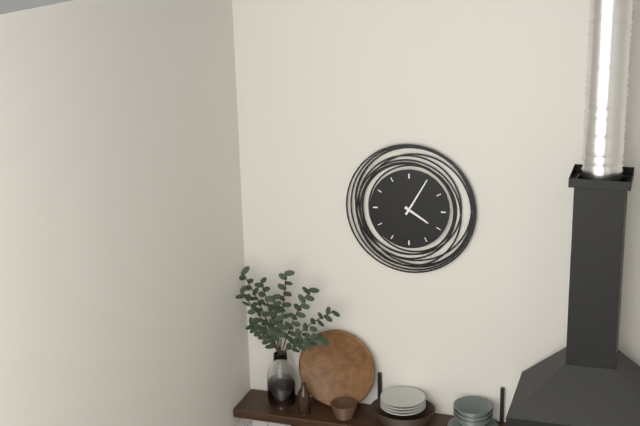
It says 4:05
